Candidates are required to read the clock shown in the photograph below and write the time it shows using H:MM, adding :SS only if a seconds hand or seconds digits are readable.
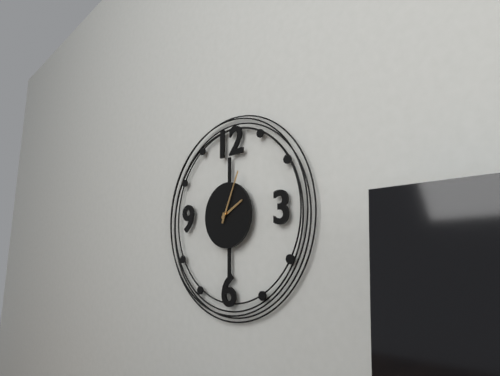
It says 2:04
